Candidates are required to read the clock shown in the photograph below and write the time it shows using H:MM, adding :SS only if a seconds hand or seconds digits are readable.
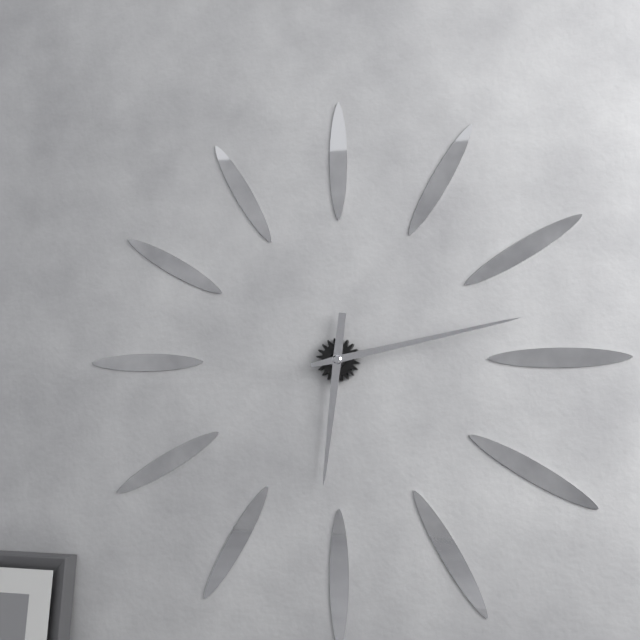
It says 6:13
